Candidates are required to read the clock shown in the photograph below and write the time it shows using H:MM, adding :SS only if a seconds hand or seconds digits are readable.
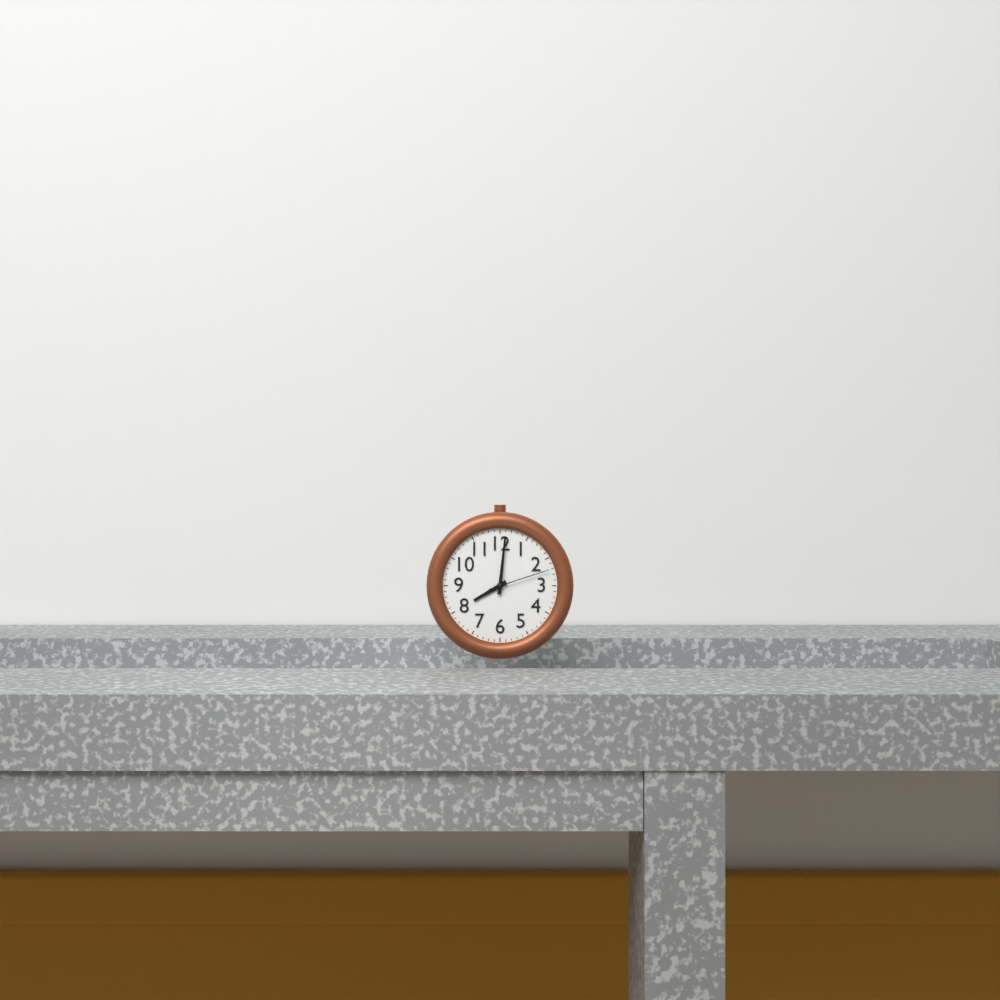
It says 8:01:12
